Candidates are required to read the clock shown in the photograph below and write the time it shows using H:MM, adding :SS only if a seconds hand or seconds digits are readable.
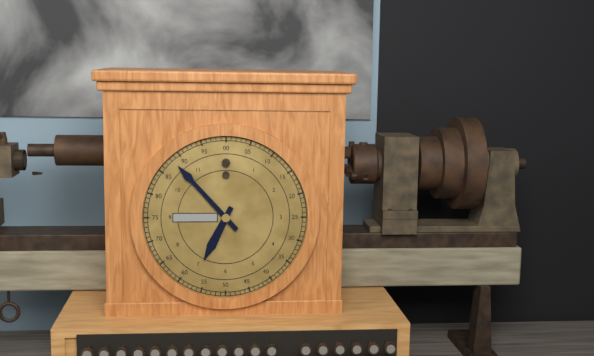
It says 6:53
